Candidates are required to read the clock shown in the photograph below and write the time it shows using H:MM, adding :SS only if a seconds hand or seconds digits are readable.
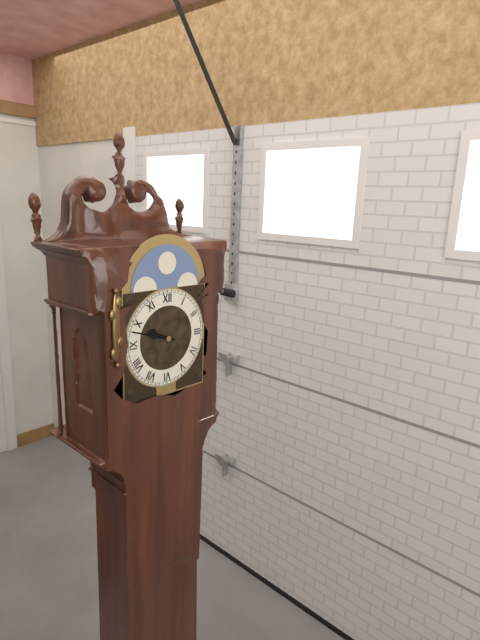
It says 9:48
